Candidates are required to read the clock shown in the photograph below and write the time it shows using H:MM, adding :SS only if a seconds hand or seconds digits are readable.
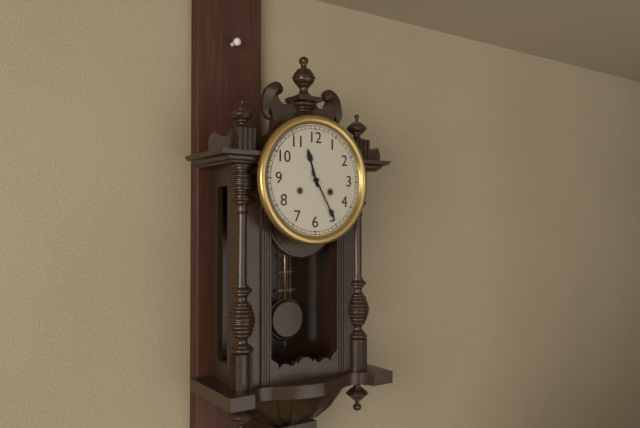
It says 11:25
